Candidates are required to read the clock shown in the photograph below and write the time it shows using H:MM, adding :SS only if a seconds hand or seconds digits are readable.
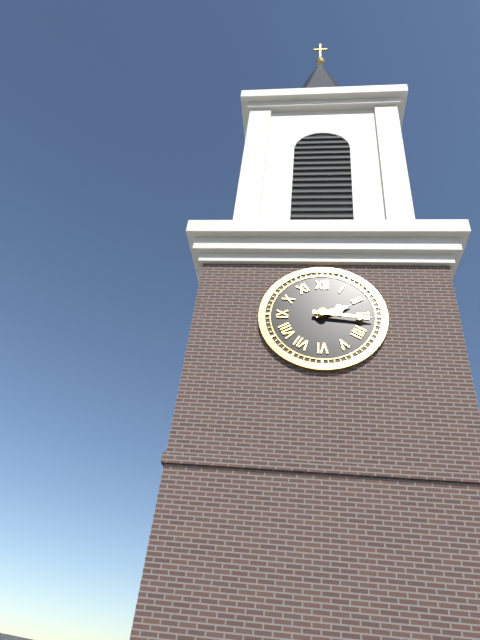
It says 2:16
